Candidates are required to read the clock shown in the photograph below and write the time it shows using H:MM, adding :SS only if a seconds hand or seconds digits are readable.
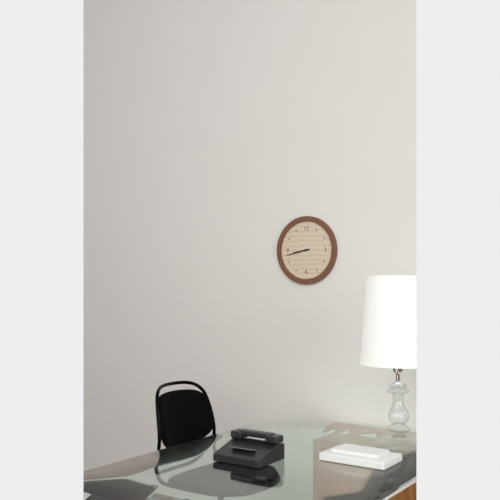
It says 8:43
